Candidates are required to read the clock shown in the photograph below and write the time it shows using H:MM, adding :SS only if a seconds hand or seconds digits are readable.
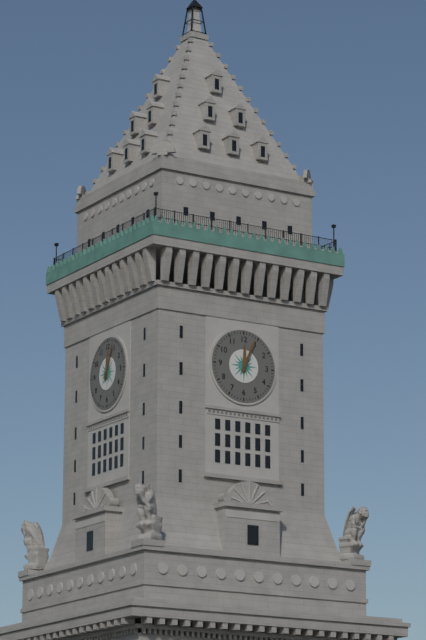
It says 12:04
